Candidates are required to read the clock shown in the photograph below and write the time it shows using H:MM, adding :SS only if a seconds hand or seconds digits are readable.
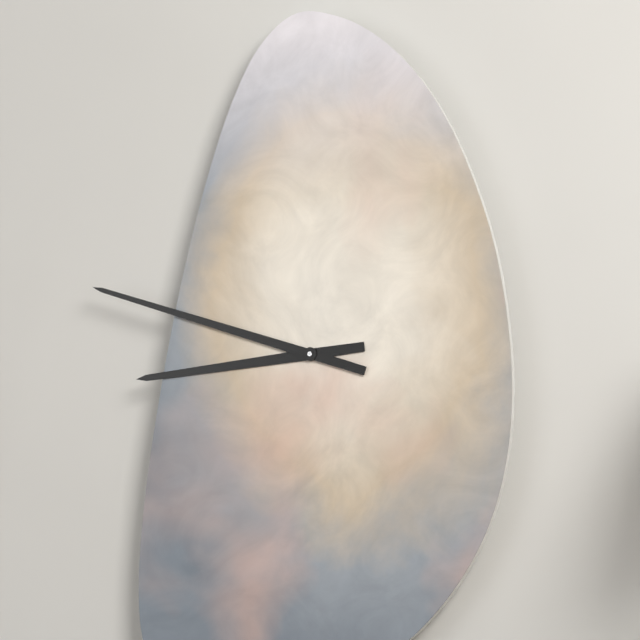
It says 8:48
